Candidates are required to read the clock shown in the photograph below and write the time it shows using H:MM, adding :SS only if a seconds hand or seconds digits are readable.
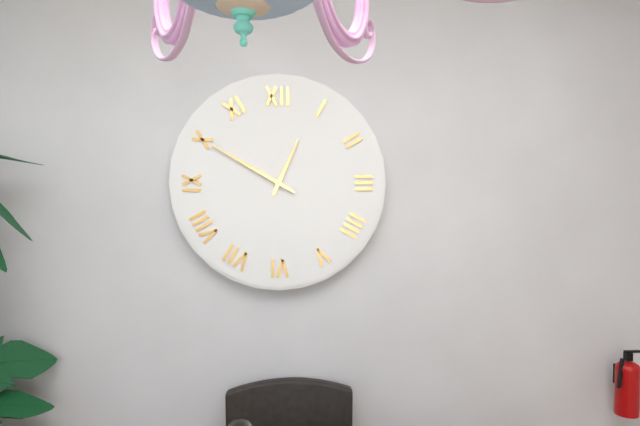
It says 12:50
